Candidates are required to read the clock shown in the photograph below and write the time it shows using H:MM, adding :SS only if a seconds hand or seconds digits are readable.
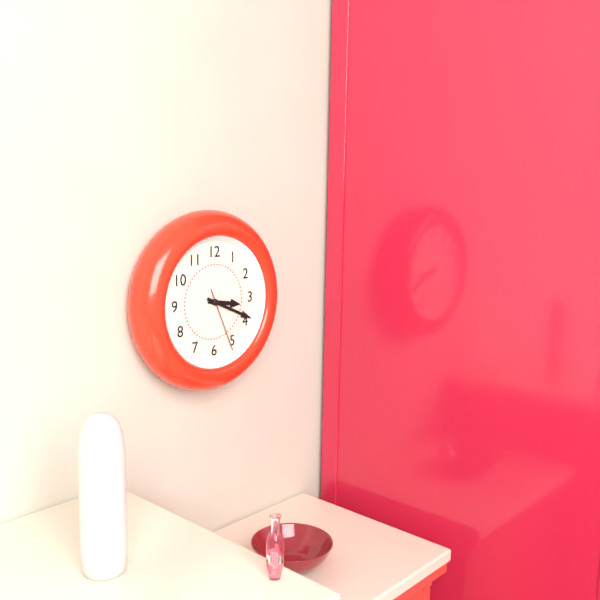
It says 3:19:26
